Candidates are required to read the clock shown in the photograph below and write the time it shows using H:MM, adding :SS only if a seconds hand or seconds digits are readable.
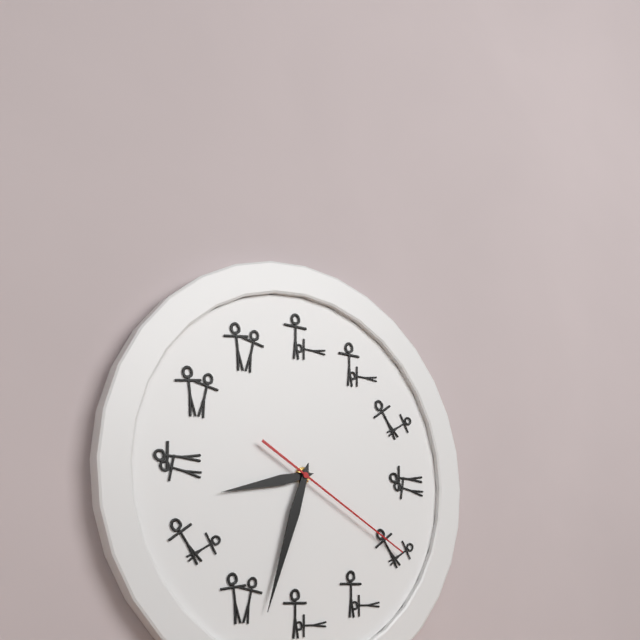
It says 8:33:20
